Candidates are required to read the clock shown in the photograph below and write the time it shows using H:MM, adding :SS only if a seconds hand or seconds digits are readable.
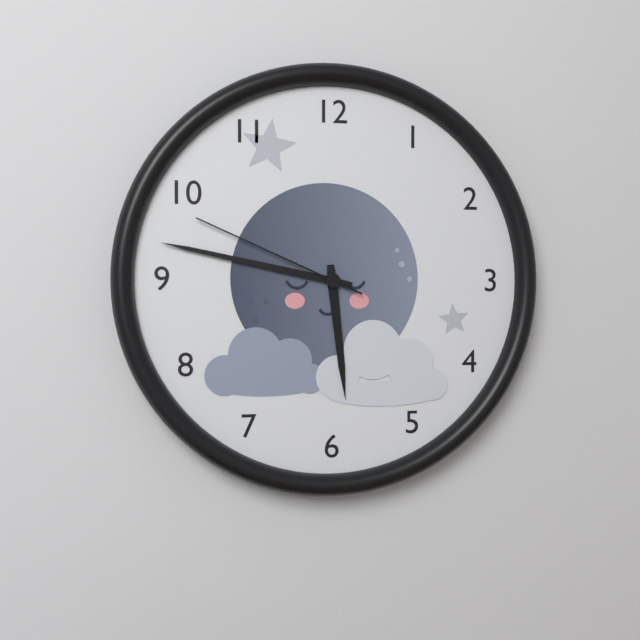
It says 5:47:49
